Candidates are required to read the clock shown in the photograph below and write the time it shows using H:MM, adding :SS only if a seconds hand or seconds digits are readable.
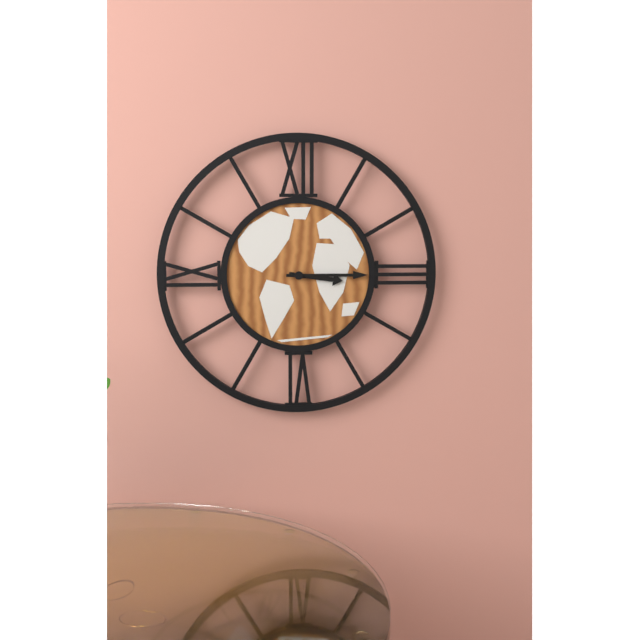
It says 3:15
